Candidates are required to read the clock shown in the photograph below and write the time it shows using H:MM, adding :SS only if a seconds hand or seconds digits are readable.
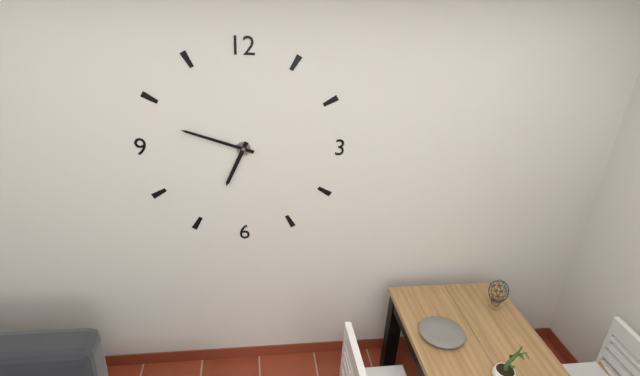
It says 6:48
